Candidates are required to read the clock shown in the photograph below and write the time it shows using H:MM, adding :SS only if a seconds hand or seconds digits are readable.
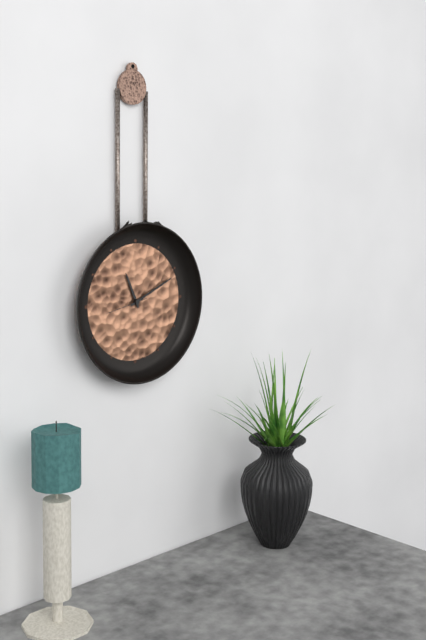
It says 11:11
